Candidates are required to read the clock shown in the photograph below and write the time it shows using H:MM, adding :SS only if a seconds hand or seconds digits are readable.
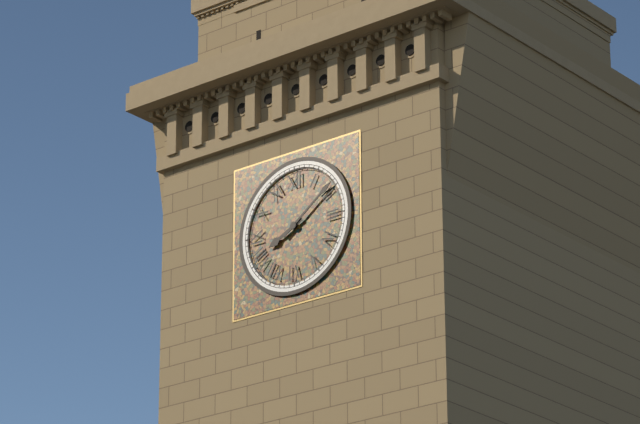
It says 8:09
